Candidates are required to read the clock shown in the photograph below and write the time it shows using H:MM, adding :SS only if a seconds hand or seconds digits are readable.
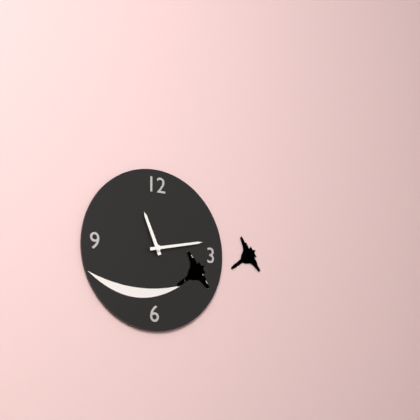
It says 11:13
